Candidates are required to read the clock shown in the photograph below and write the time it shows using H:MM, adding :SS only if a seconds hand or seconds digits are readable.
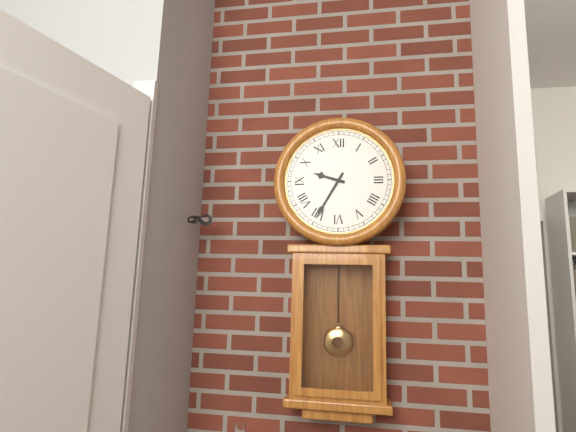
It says 9:35
